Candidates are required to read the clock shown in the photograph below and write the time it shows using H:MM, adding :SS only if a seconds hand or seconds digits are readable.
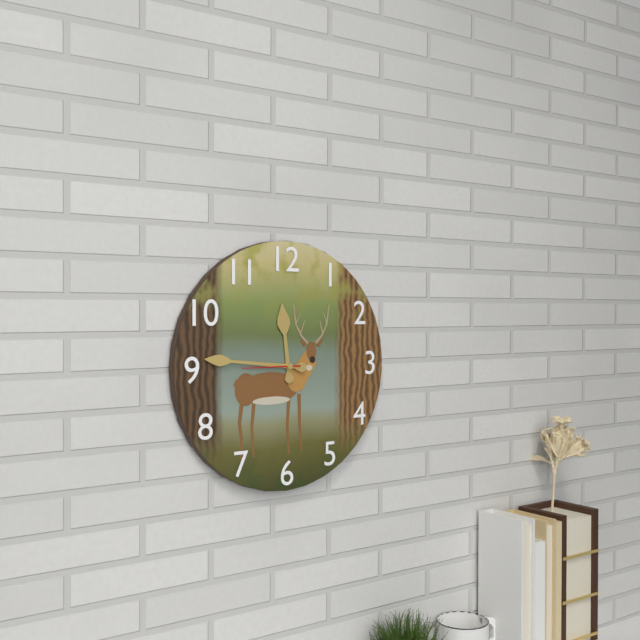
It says 11:46:45
